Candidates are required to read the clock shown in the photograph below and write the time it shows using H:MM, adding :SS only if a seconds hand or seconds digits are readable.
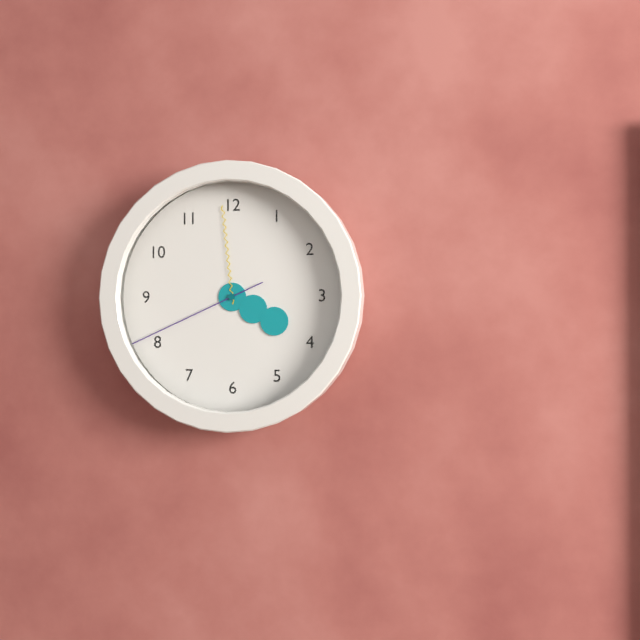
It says 3:59:41
